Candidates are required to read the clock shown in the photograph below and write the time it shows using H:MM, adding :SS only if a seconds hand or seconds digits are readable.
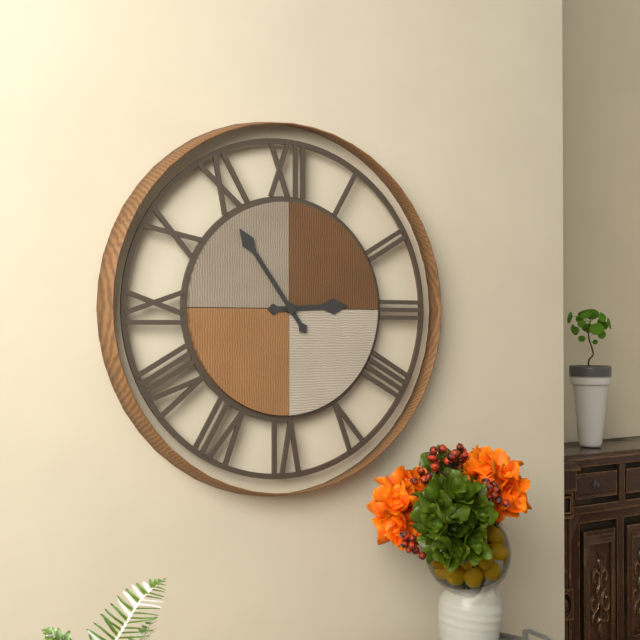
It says 2:54
